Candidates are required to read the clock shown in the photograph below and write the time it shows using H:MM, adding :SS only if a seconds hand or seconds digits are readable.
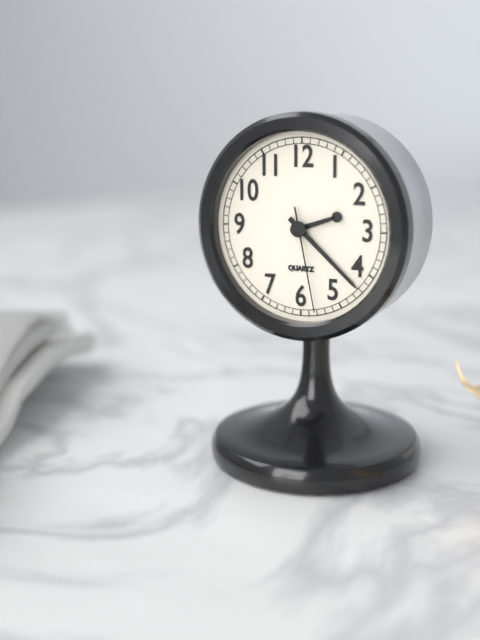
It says 2:22:28
